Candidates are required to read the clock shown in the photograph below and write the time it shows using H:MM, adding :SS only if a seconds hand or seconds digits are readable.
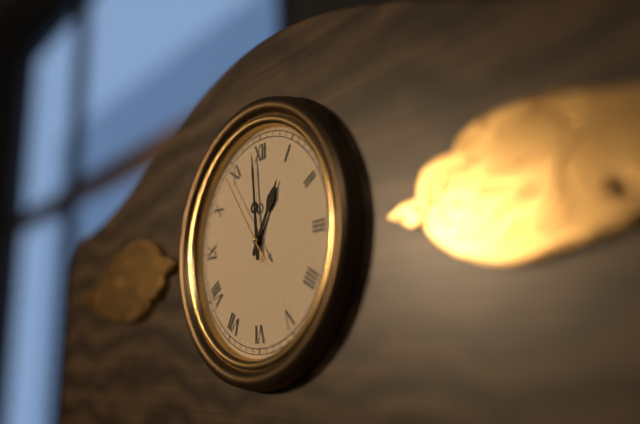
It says 12:59:54
